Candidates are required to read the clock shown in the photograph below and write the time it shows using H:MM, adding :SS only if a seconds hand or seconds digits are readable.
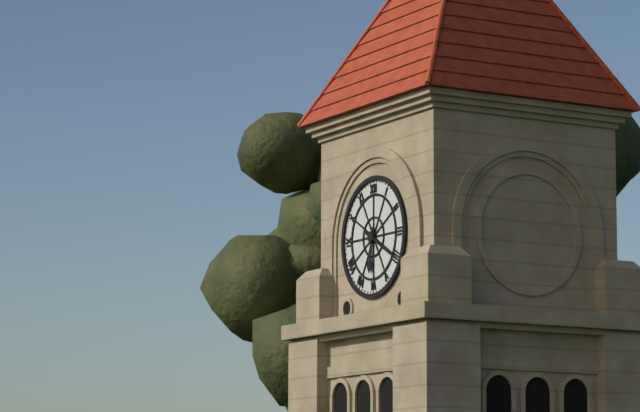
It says 6:20
